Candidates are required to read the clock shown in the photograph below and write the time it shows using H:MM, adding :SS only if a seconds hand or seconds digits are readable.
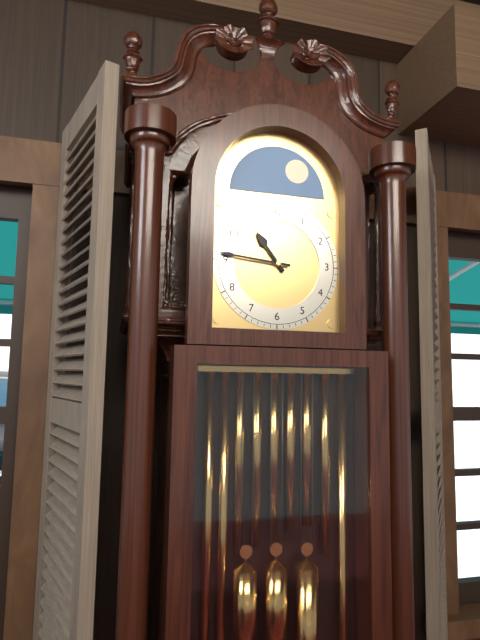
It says 10:46
